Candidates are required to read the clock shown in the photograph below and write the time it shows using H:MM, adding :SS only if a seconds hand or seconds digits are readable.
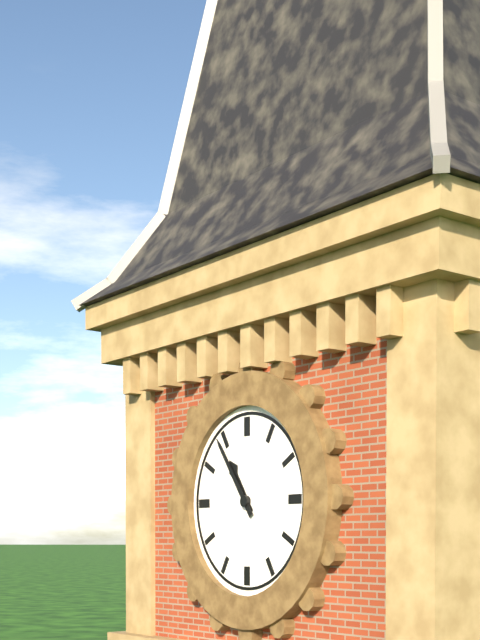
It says 10:54
